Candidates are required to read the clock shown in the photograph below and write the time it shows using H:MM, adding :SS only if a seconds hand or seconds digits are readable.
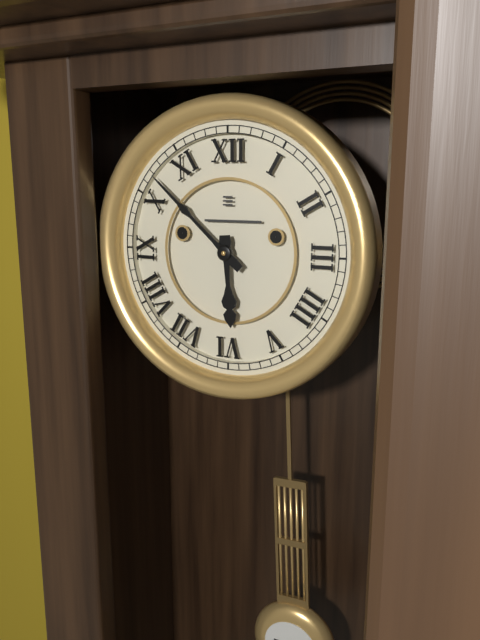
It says 5:52
